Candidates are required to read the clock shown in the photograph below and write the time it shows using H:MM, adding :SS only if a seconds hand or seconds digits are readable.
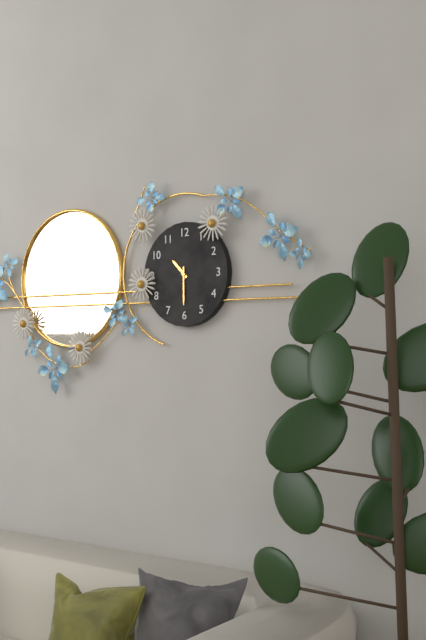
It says 10:30
